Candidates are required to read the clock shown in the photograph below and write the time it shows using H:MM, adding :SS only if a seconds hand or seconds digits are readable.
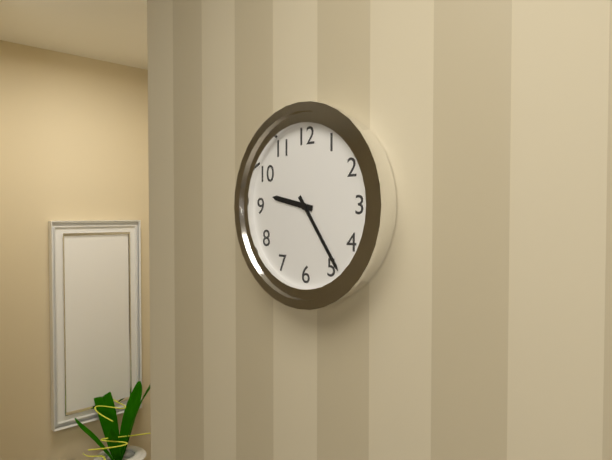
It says 9:24
